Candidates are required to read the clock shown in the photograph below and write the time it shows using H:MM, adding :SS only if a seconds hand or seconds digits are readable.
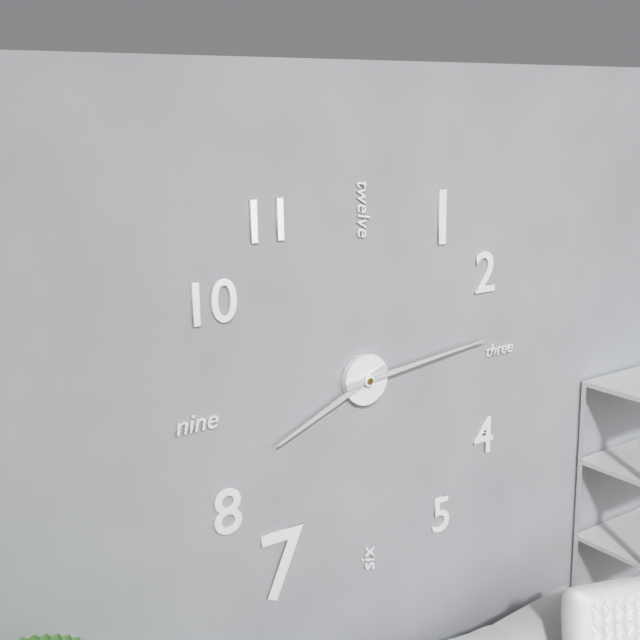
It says 8:14
